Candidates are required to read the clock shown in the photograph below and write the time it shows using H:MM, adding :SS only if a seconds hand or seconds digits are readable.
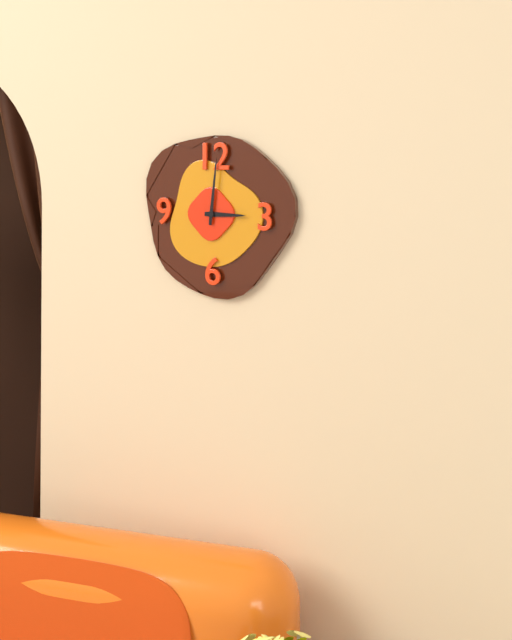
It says 3:01
